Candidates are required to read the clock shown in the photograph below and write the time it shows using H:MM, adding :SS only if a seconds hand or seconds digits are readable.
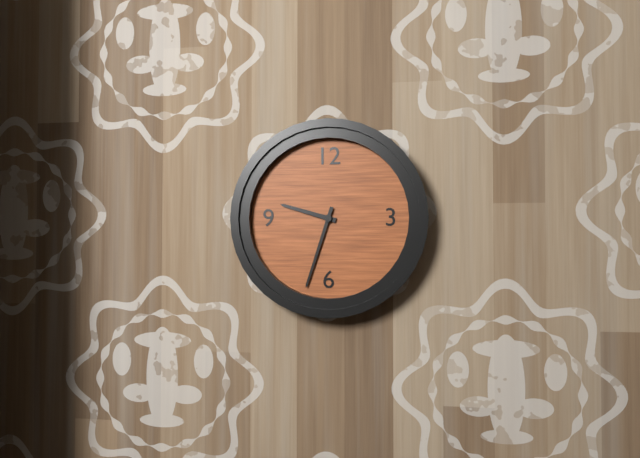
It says 9:33
